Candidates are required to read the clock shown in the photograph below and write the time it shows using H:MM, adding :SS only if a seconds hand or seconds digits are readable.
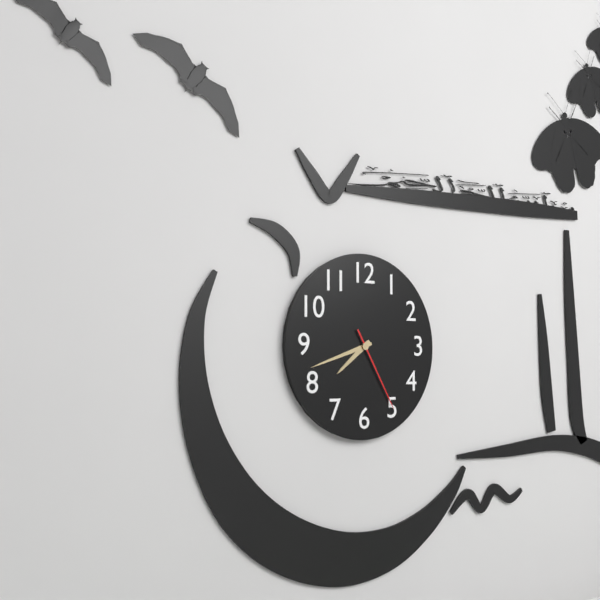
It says 7:42:25
